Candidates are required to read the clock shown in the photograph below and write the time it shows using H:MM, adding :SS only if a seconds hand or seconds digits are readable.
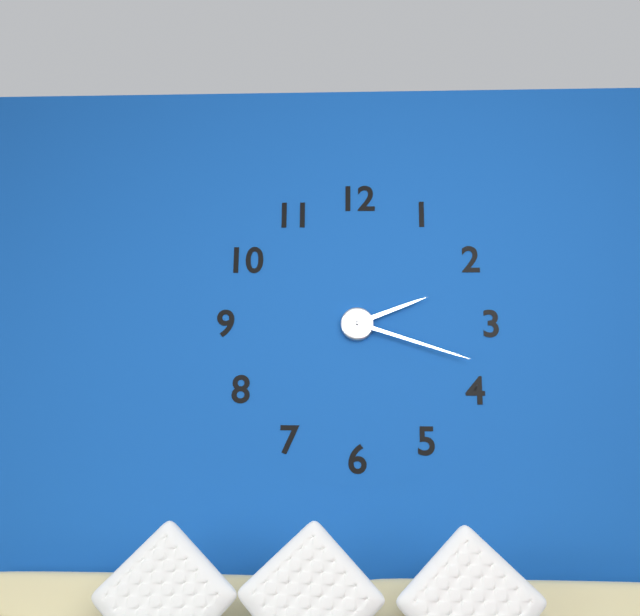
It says 2:18
